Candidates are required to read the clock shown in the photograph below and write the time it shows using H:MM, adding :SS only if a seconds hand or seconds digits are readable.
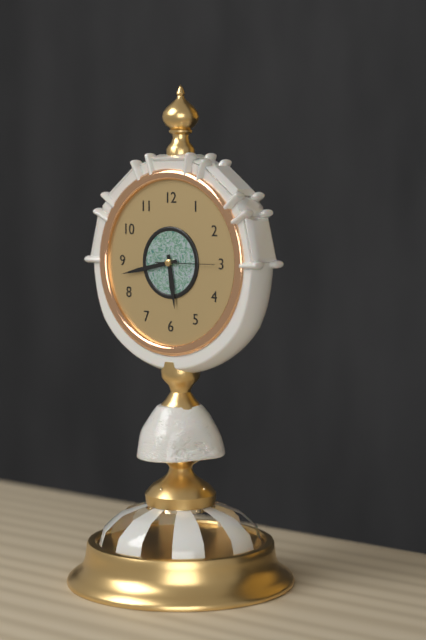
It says 5:43:15
